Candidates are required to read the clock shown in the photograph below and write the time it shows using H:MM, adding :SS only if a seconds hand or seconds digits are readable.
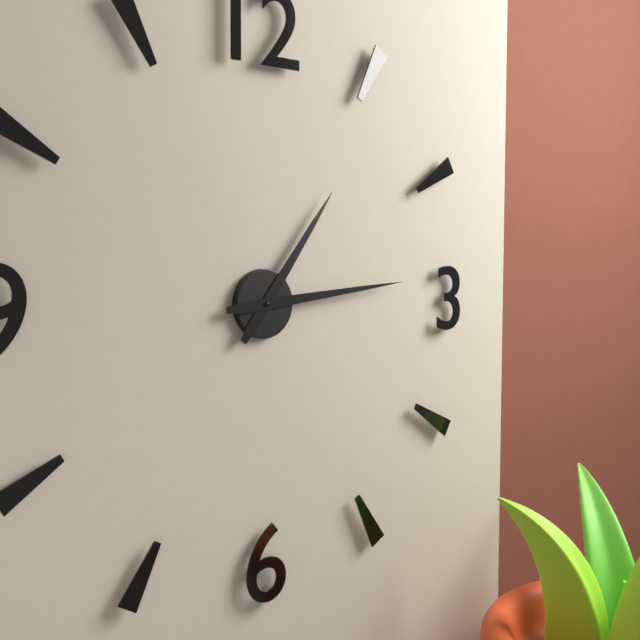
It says 1:14
